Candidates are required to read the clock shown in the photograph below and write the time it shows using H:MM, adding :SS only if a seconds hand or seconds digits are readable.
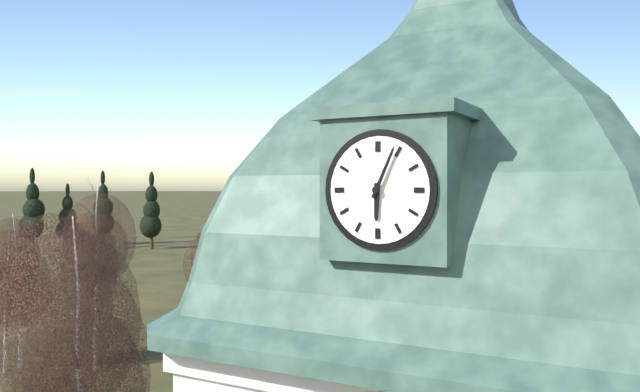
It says 6:04
